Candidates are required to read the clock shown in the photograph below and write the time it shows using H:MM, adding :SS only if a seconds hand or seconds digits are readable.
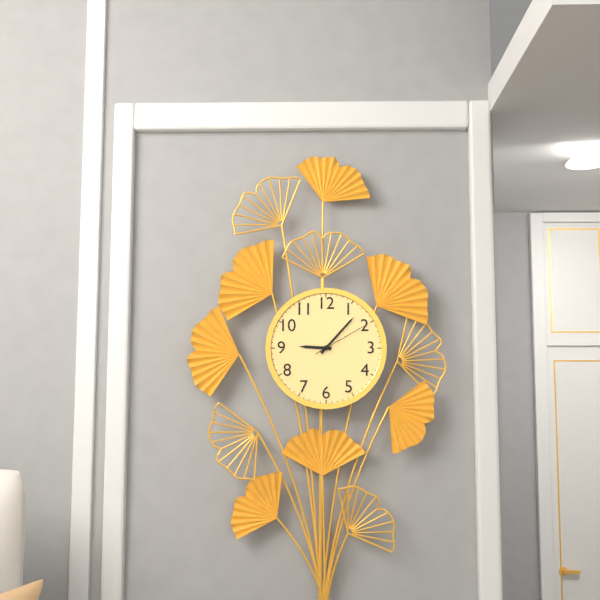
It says 9:07:10
